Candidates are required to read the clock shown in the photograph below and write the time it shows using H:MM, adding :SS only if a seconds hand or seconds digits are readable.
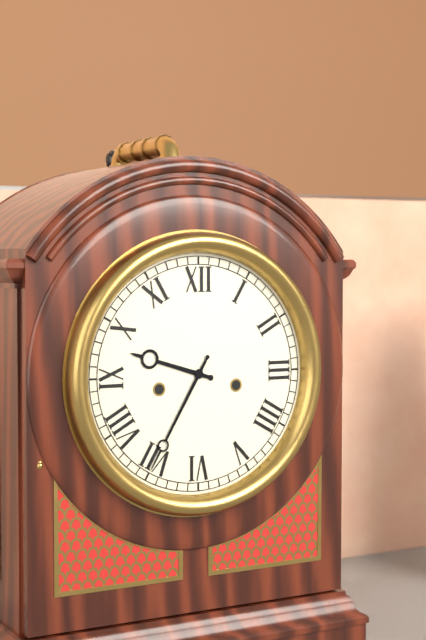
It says 9:35
